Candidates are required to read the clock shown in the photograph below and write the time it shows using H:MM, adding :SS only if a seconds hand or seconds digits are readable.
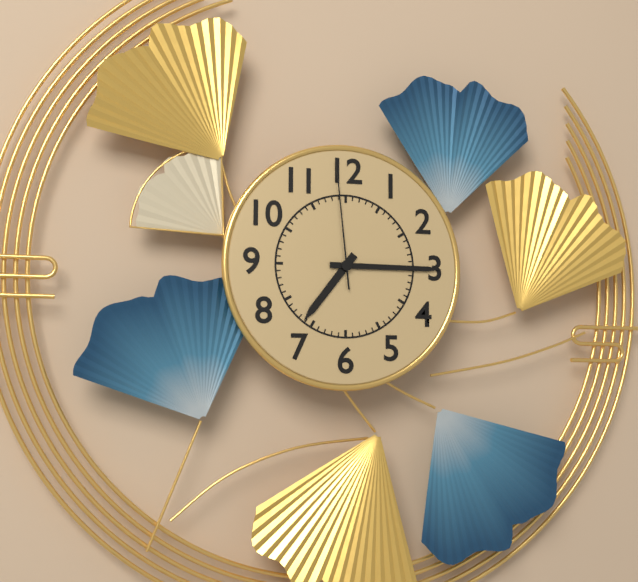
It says 7:15:59
